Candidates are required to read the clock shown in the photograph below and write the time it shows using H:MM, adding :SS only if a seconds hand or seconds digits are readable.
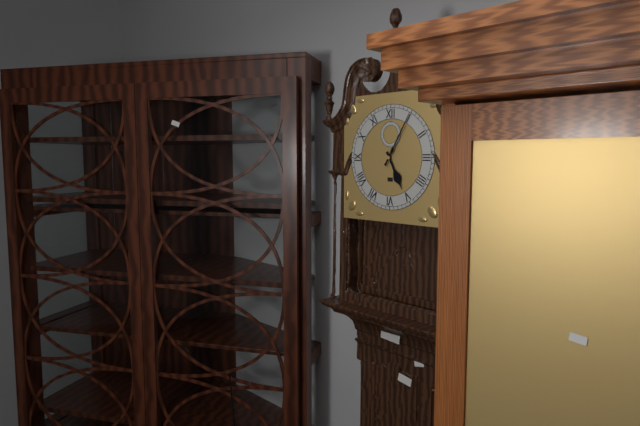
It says 5:05
